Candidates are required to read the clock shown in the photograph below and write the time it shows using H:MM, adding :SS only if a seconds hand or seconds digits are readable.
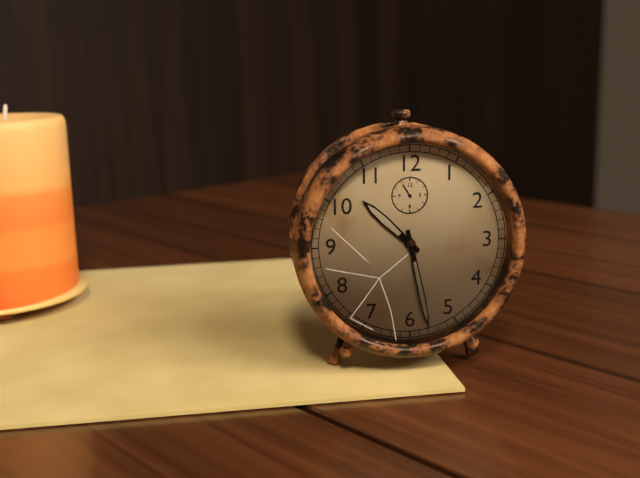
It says 10:28
